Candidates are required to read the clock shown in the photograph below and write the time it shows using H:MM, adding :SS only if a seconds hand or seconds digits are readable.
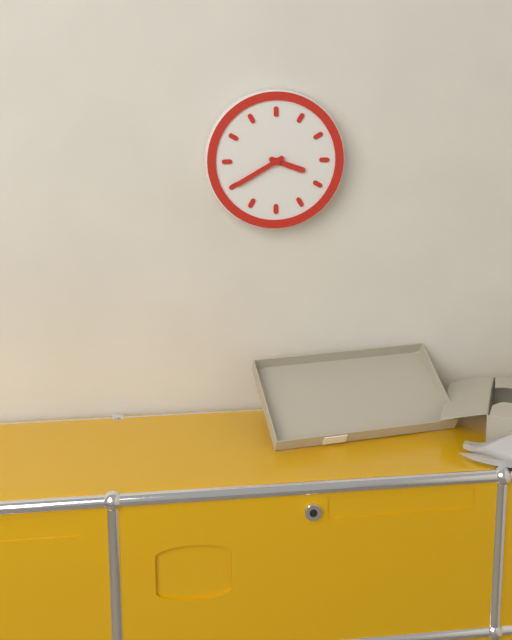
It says 3:40
